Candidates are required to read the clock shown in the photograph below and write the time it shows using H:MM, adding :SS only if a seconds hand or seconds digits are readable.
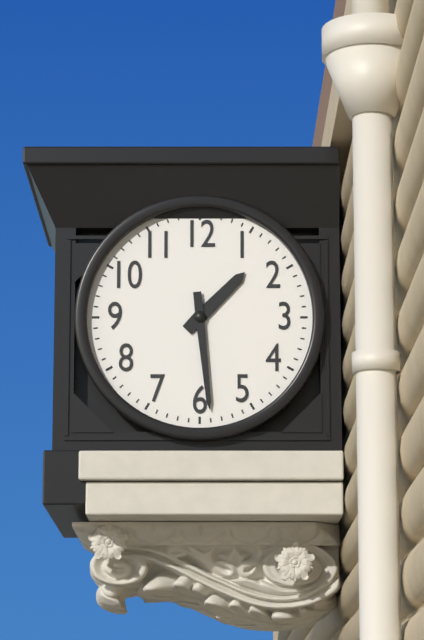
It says 1:29
